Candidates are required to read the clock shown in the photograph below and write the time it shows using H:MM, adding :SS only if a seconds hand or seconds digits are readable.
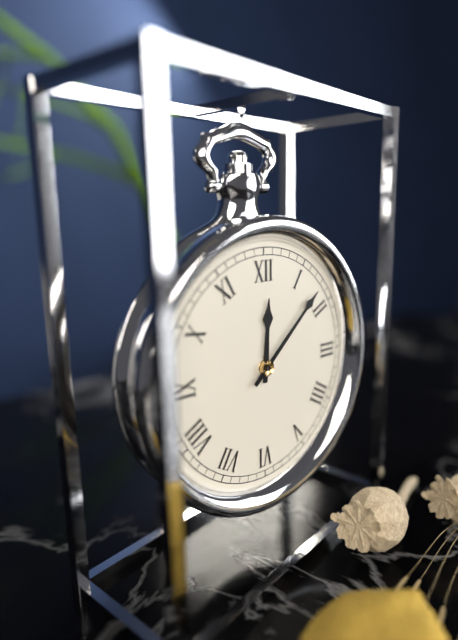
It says 12:08
